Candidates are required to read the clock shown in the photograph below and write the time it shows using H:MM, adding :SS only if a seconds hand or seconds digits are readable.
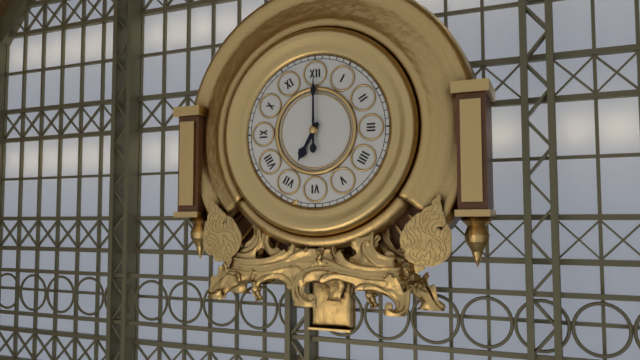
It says 7:00
